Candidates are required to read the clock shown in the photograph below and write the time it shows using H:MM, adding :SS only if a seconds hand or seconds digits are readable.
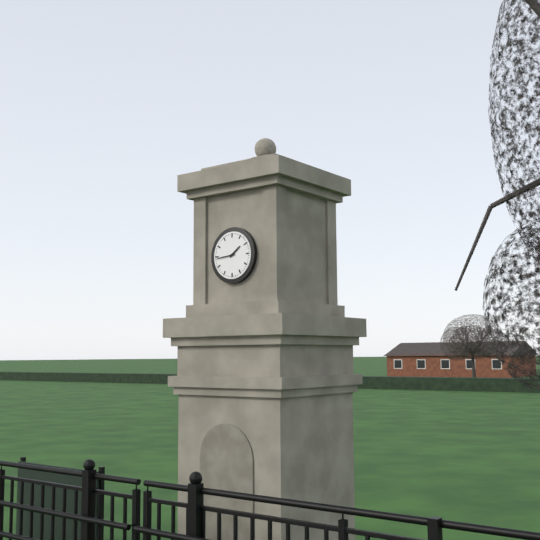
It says 1:44
